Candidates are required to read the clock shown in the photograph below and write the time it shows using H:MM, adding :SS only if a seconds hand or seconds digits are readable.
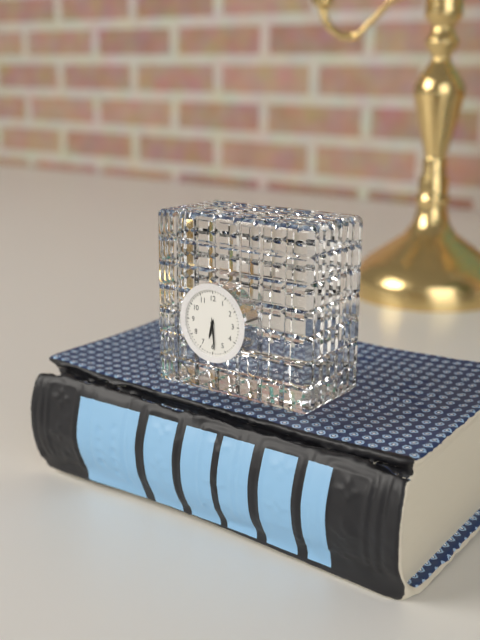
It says 6:29
